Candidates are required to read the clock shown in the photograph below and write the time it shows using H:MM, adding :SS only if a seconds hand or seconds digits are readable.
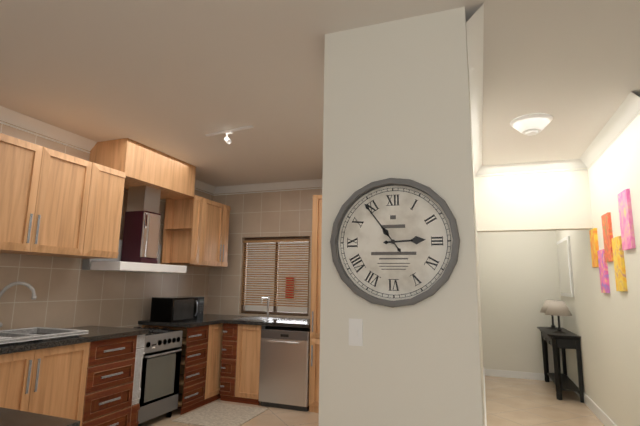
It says 2:54
